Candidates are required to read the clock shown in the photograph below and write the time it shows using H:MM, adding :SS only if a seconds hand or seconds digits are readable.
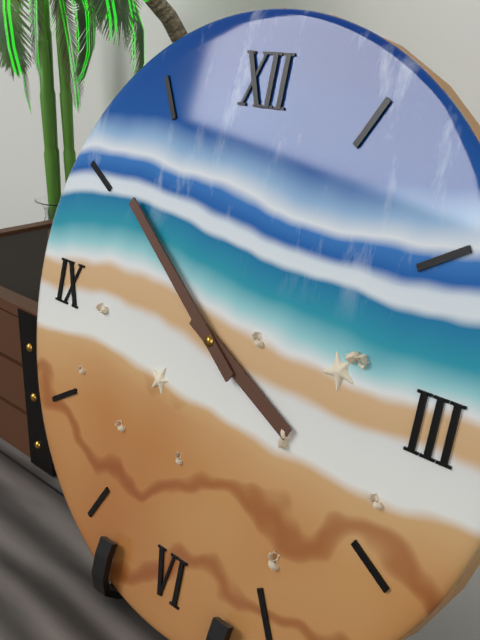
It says 3:51
